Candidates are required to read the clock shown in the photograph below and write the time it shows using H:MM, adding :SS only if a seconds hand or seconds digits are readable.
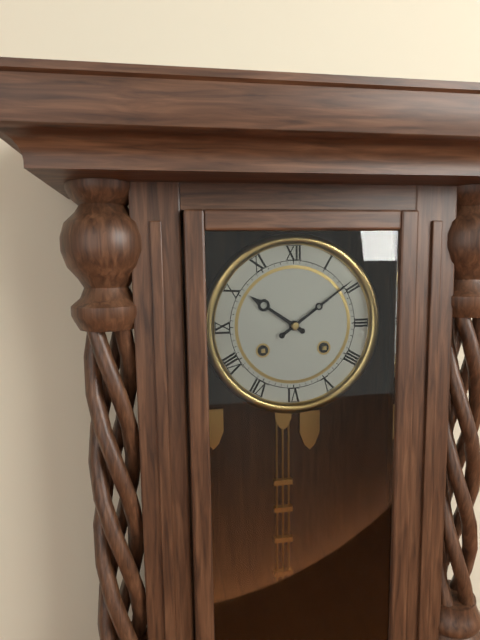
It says 10:09
